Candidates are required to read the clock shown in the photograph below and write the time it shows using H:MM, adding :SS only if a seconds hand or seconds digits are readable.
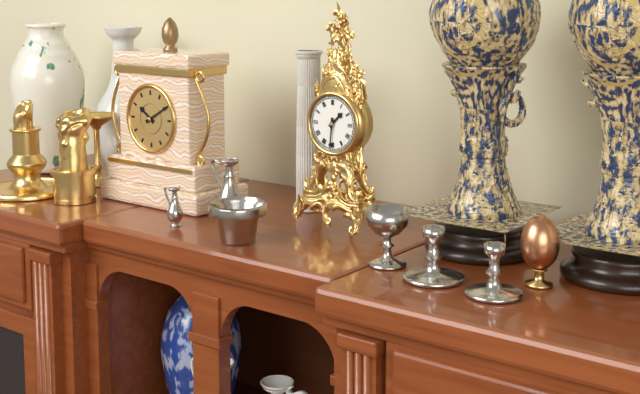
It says 1:31
